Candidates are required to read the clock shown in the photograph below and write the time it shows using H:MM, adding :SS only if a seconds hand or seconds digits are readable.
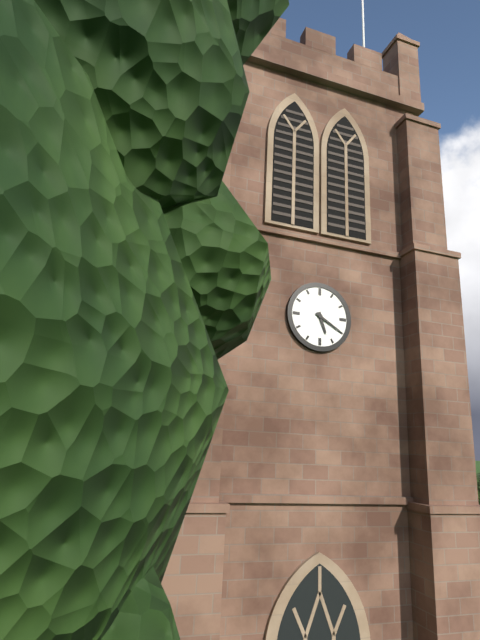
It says 5:20
